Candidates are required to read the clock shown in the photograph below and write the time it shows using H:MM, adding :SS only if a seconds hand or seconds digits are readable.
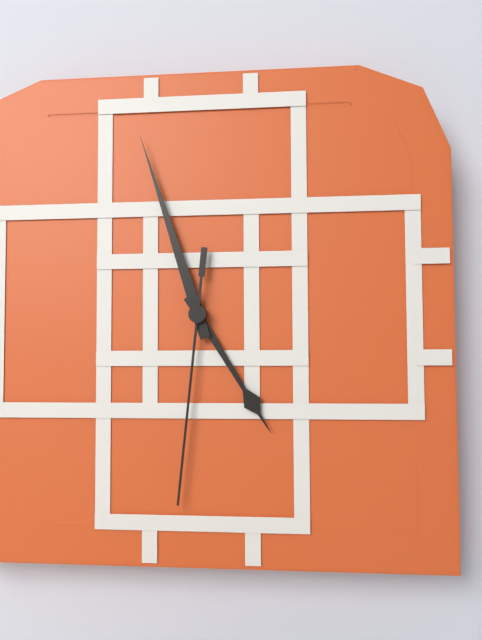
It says 4:57:31
